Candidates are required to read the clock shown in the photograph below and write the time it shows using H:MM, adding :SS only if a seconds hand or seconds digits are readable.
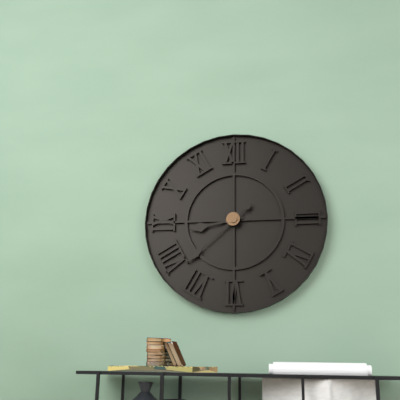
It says 8:38
